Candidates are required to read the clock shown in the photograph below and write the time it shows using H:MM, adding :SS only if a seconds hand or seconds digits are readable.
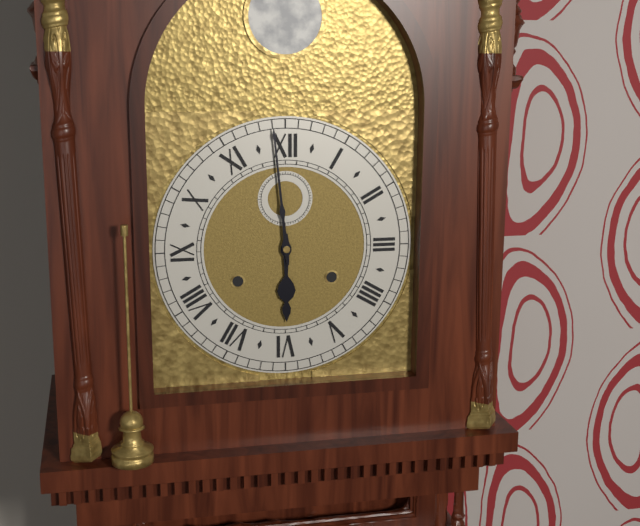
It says 5:59
